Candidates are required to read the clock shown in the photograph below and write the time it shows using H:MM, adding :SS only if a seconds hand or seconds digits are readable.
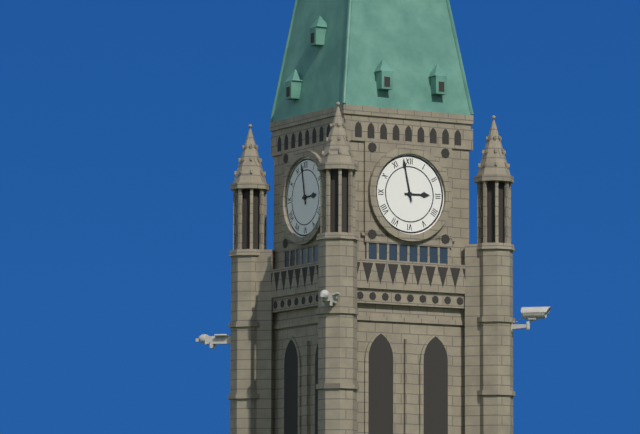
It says 2:58
